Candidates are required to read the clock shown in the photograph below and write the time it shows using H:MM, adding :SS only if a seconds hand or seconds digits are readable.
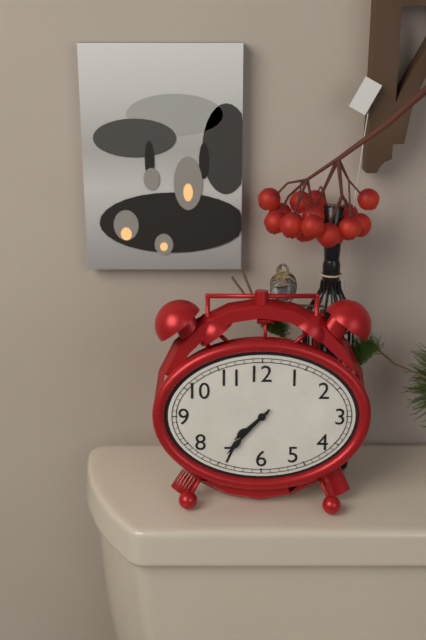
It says 7:37
